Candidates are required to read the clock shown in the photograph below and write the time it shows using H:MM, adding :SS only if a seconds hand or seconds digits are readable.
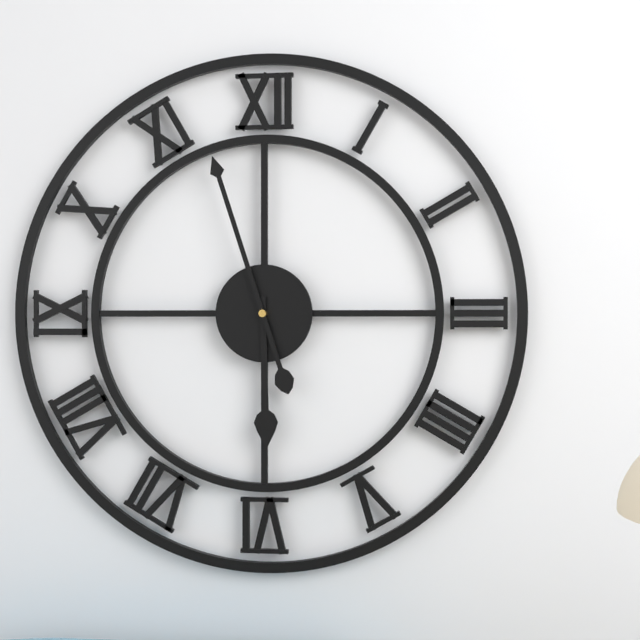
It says 5:57
